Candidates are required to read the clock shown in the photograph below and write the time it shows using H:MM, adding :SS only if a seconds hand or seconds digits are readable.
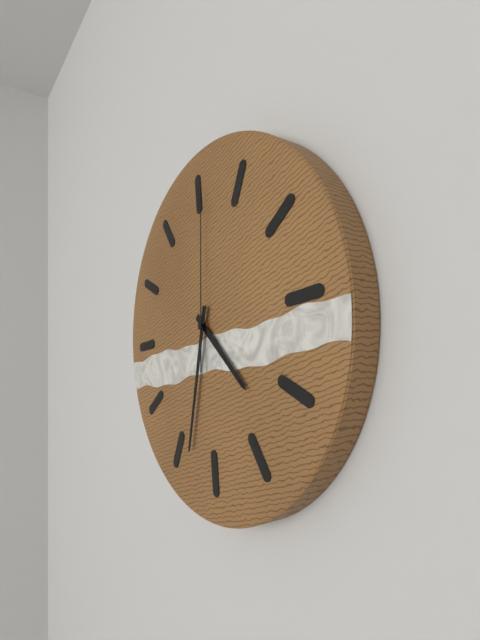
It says 4:33:01
